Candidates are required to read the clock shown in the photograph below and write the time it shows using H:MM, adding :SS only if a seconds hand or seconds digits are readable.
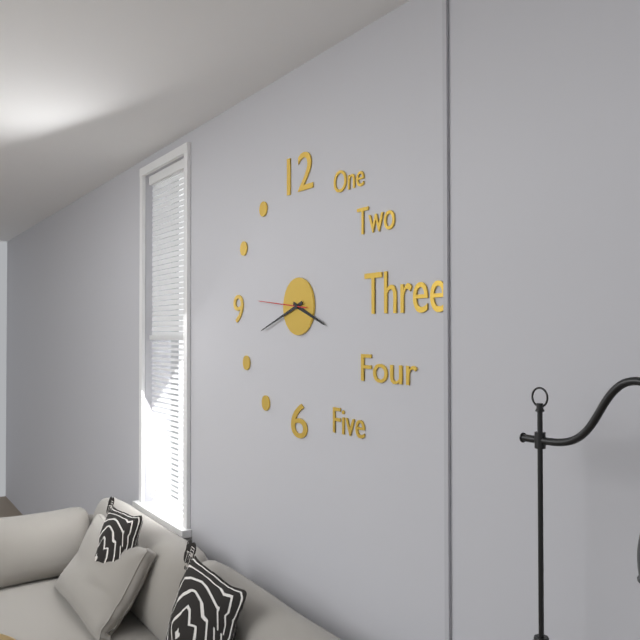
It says 3:42
